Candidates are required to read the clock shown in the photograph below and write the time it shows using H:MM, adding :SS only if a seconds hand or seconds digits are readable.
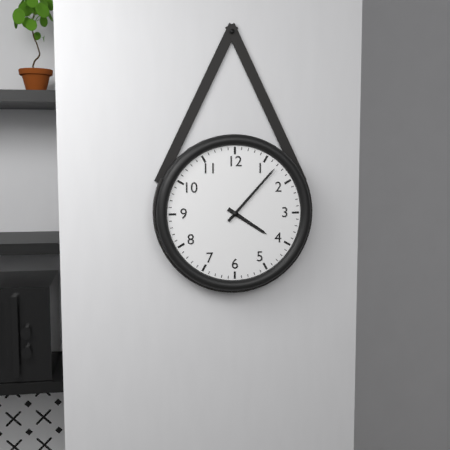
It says 4:07
